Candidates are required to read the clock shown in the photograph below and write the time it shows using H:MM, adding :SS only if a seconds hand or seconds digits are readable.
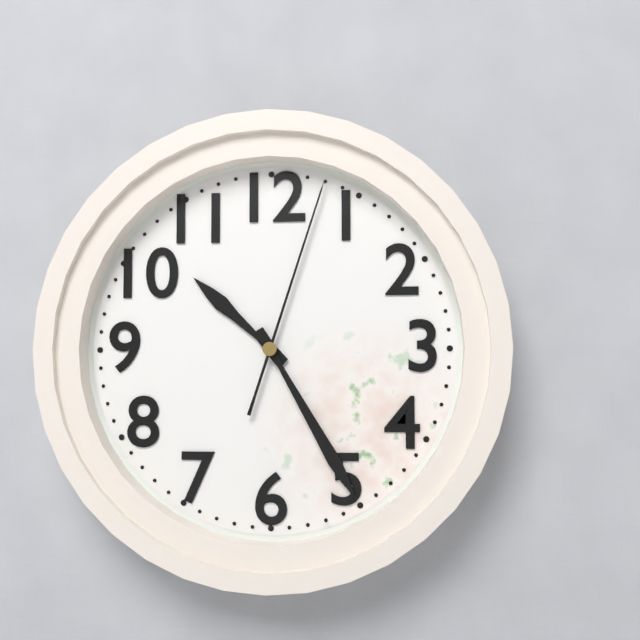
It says 10:25:03
